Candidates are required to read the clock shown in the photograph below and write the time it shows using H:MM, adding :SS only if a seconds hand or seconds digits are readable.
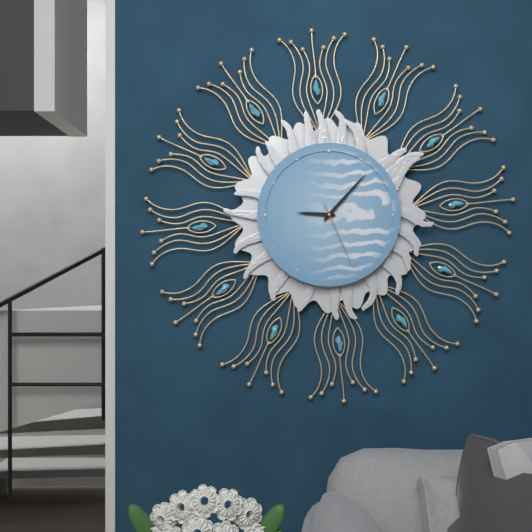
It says 9:07:26
